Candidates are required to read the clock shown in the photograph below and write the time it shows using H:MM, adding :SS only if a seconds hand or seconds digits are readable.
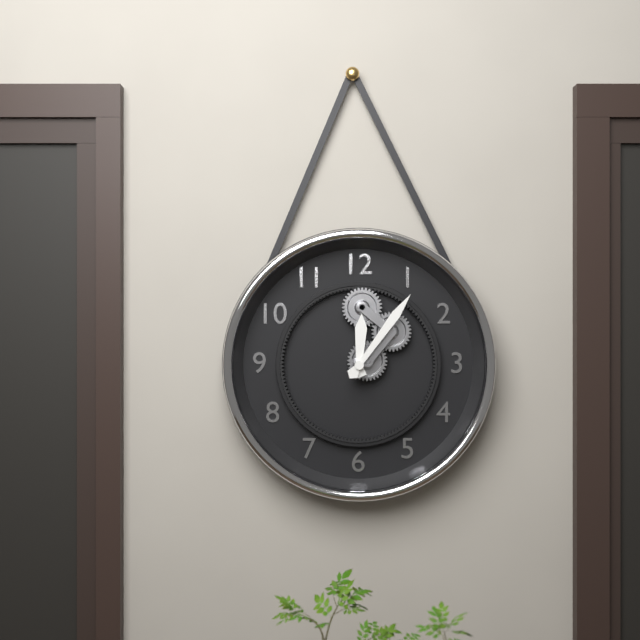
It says 12:06
